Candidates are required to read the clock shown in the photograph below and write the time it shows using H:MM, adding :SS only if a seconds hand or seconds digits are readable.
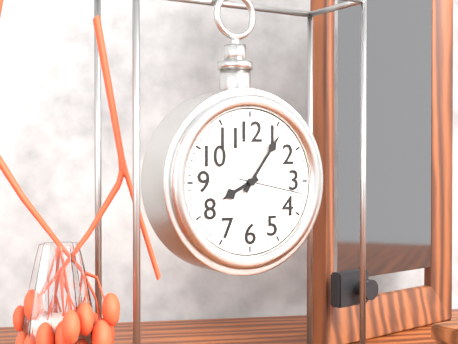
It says 8:06:17
